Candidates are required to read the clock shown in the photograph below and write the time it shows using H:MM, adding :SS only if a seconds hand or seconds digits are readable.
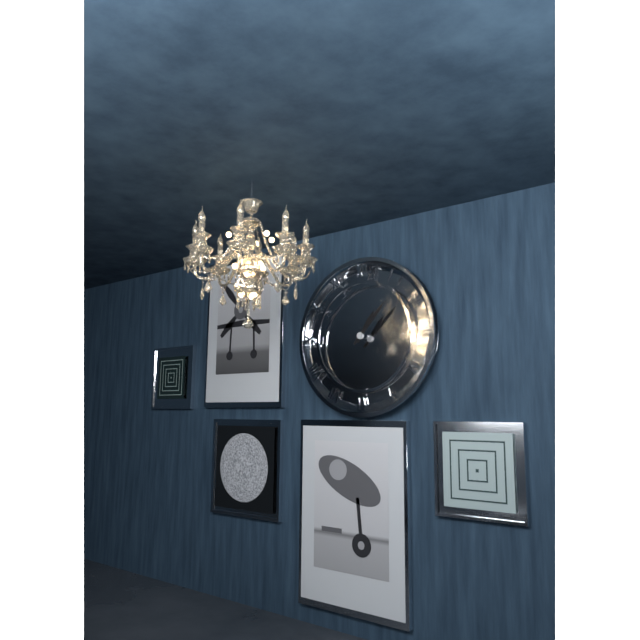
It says 1:07
